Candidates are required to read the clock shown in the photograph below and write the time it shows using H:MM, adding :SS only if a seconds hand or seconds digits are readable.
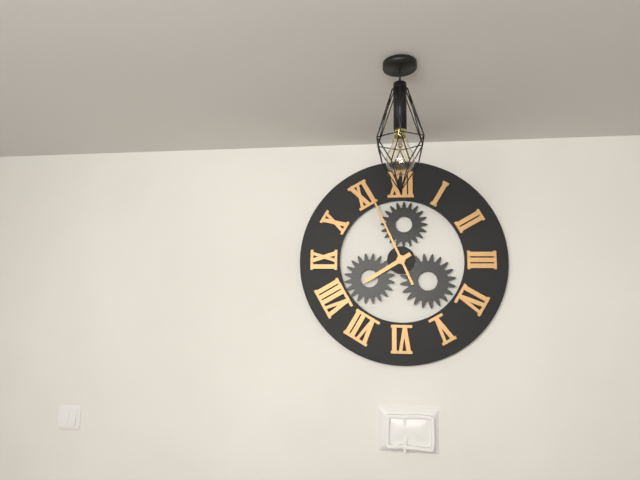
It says 7:56
